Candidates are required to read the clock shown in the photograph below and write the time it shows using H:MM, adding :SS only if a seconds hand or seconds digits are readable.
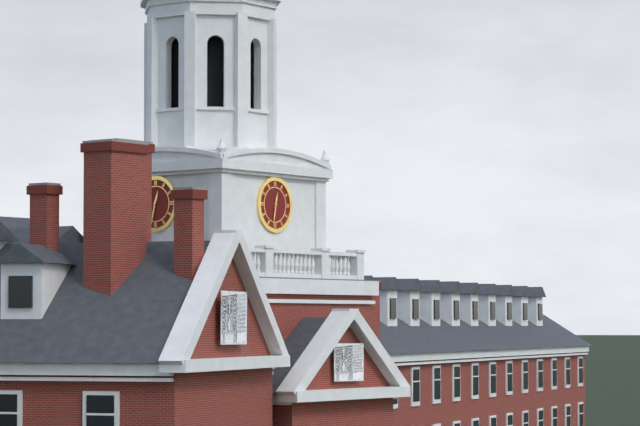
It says 12:32
